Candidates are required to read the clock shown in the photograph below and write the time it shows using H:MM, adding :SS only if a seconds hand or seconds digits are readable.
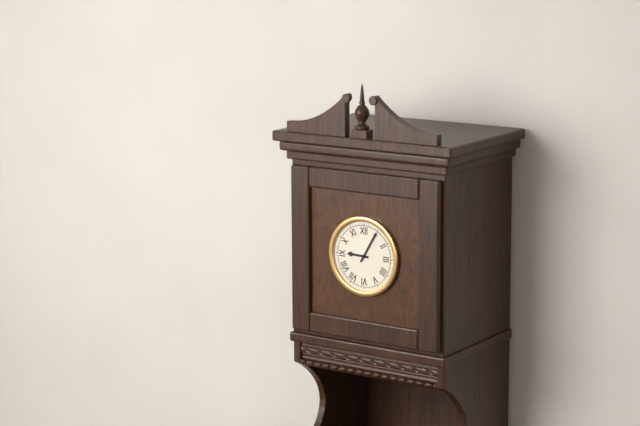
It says 9:05
